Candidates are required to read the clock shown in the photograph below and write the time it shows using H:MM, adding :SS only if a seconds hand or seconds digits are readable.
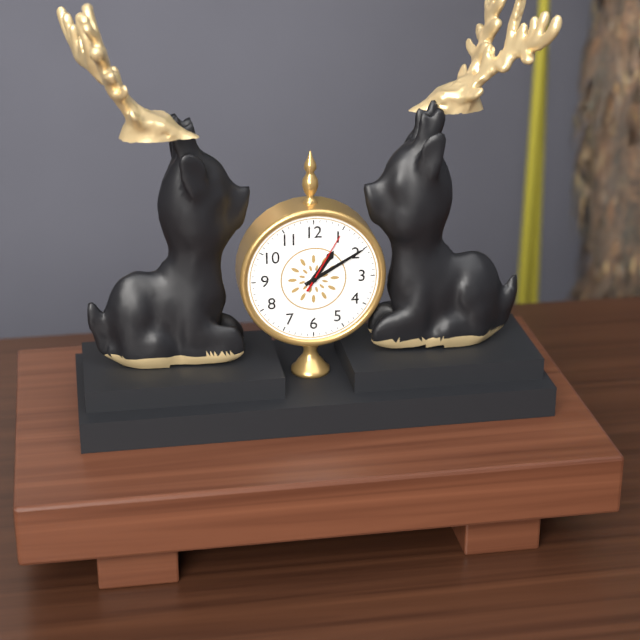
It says 1:10:05
